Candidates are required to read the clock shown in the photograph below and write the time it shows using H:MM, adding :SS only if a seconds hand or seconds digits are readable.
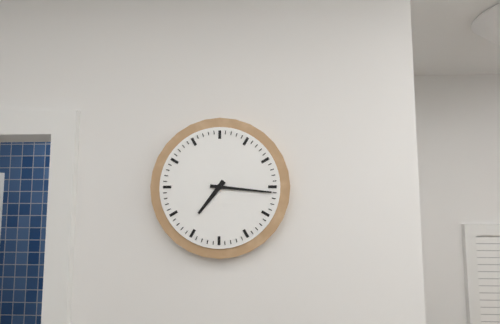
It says 7:16
